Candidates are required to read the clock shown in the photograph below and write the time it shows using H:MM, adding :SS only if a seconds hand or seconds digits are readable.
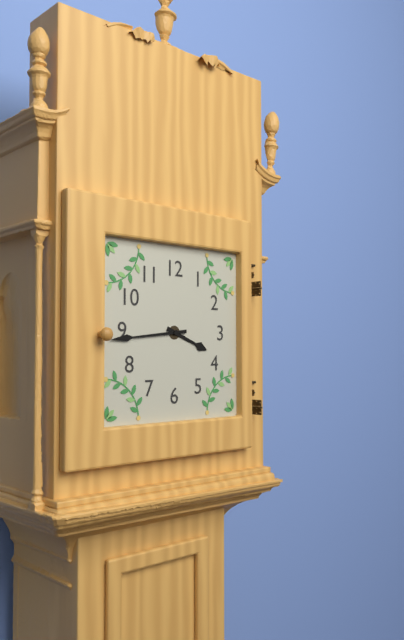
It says 3:44
